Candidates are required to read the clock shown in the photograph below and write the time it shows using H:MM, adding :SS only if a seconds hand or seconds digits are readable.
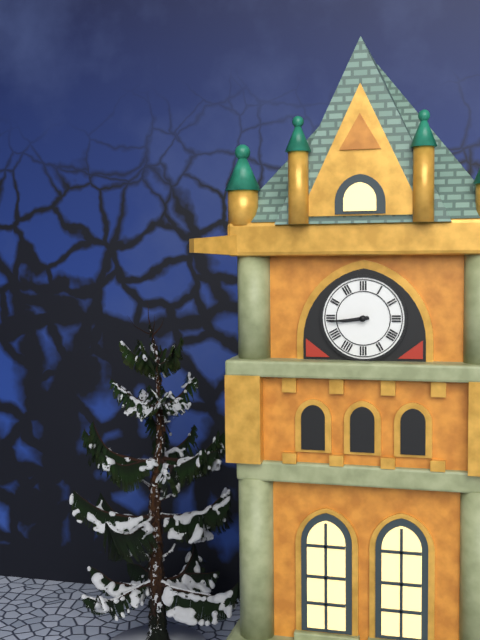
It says 8:44
